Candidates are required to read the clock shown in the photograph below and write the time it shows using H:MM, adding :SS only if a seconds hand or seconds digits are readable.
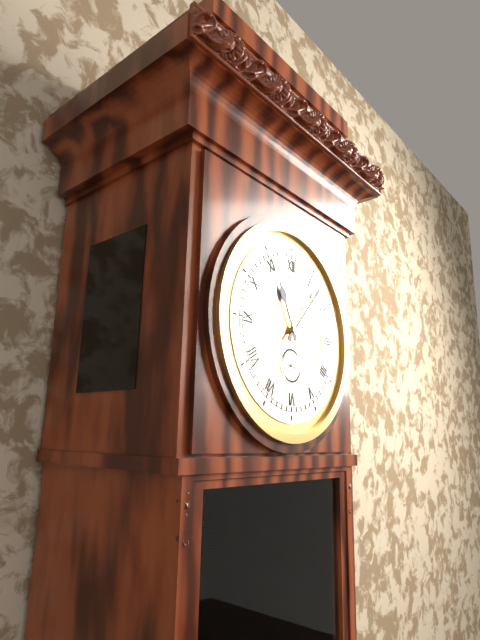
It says 11:07
